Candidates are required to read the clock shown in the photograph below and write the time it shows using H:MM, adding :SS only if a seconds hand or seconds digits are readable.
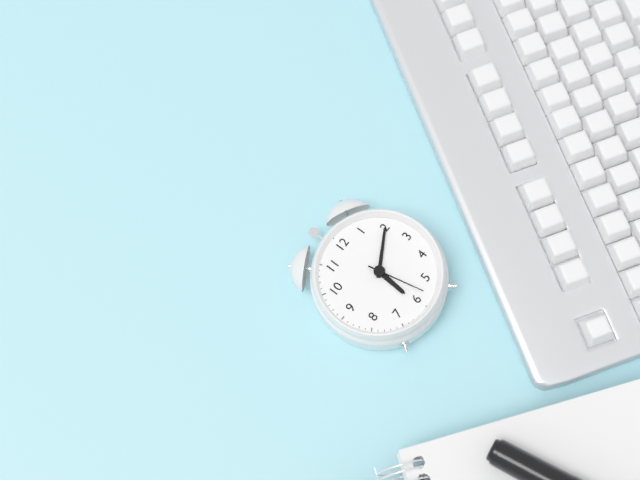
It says 6:10:28
